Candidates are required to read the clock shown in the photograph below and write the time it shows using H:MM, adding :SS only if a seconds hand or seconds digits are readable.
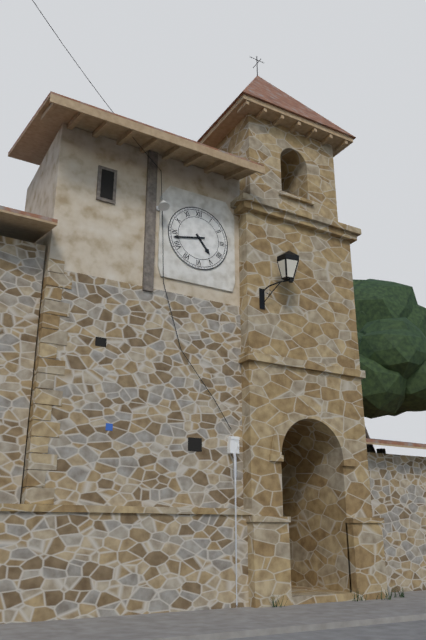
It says 4:43
